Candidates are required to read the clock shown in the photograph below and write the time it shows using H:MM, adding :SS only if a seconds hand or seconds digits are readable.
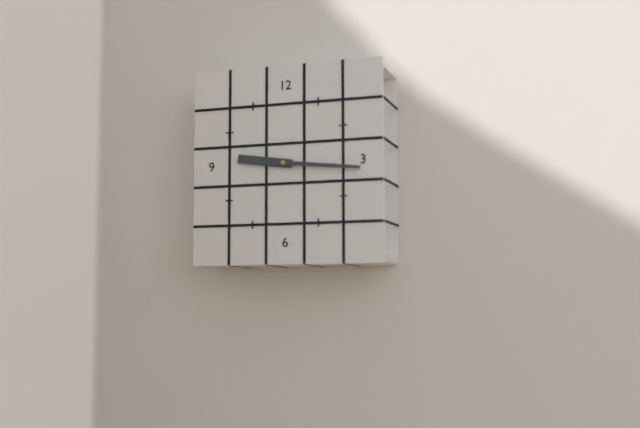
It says 9:16
